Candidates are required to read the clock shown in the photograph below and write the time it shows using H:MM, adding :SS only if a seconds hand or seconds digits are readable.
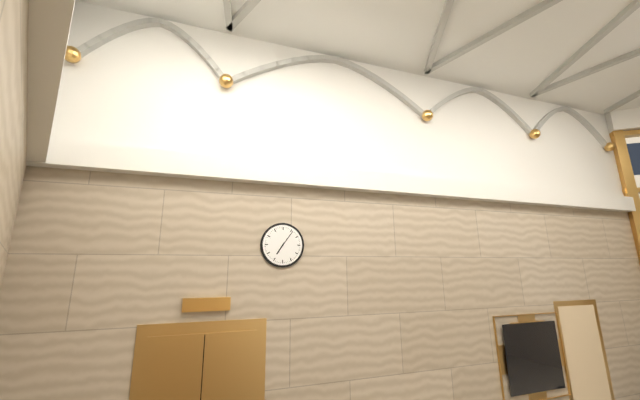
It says 7:06
